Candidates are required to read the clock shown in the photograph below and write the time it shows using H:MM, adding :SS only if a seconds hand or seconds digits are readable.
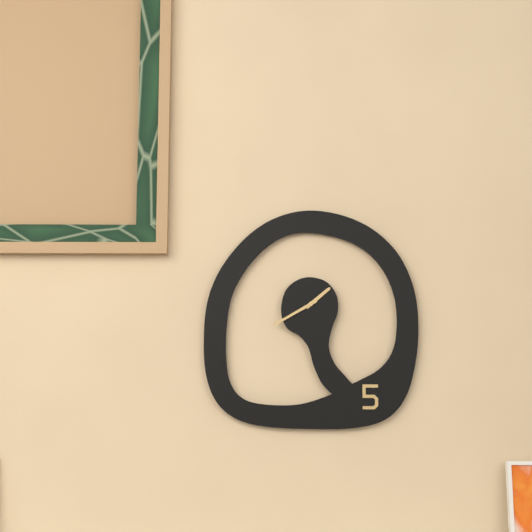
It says 1:40
